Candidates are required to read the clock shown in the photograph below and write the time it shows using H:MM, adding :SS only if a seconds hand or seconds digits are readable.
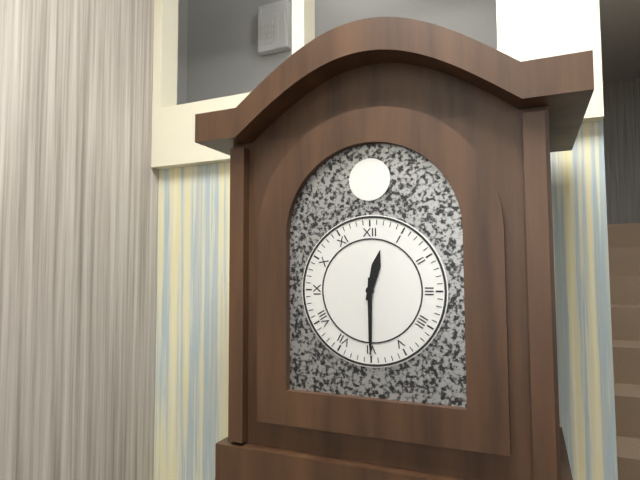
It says 12:30
